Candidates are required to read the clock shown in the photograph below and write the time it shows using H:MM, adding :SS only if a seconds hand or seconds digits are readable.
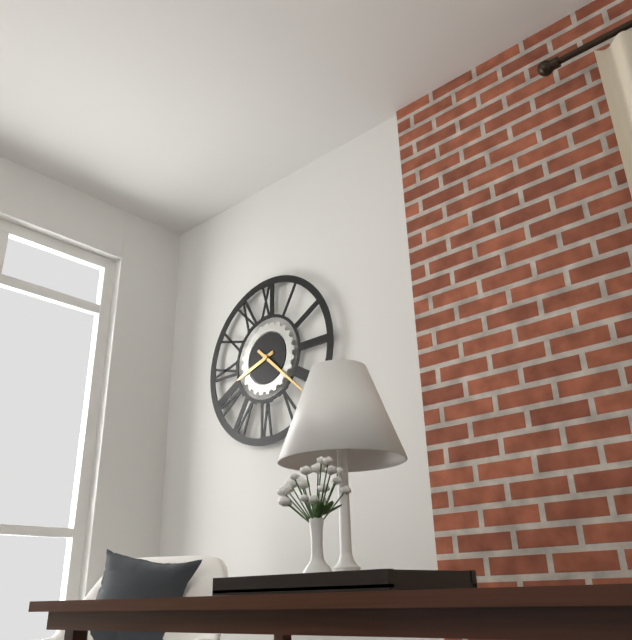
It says 8:22
